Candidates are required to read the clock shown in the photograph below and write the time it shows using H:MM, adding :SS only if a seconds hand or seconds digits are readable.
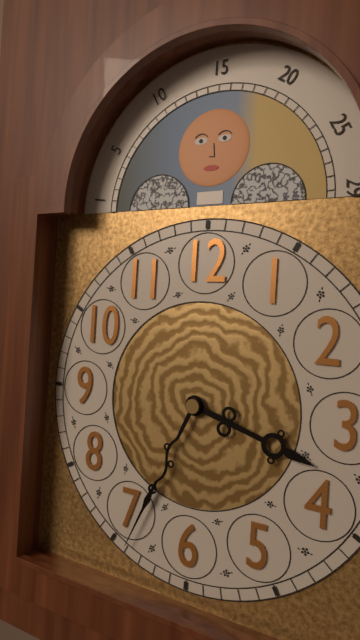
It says 3:34
